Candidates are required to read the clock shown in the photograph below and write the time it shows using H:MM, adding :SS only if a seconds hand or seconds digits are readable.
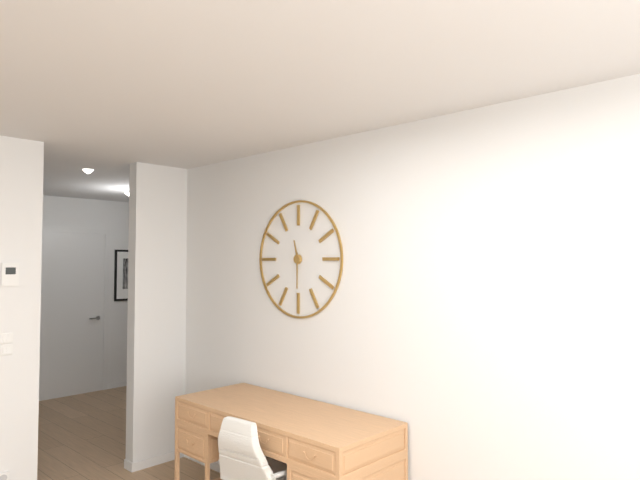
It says 11:30
